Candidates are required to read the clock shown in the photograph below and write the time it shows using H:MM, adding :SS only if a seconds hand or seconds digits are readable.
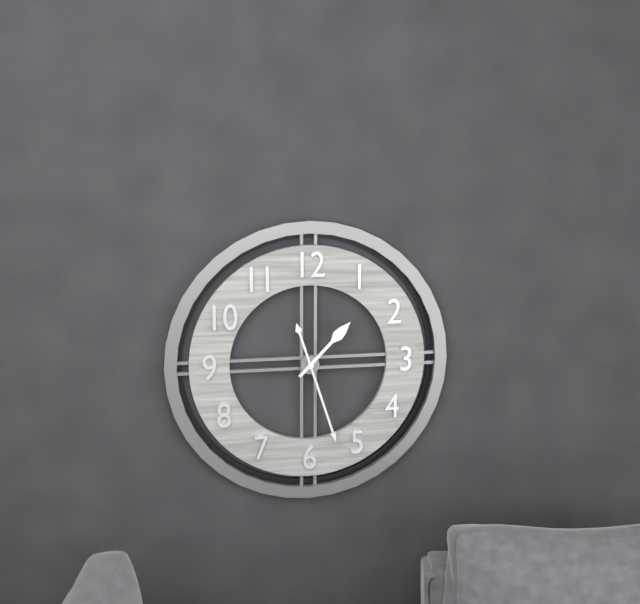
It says 1:27
